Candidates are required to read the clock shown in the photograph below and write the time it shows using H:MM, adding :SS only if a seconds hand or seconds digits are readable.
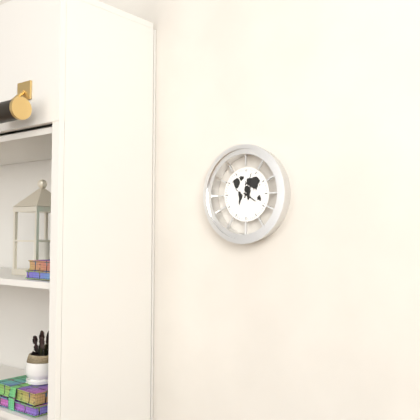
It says 4:03
